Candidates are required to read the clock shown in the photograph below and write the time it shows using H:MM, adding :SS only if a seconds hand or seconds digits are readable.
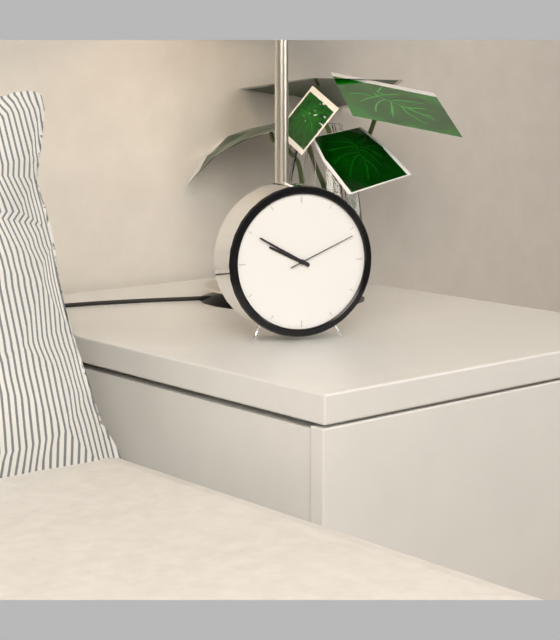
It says 9:50:11
